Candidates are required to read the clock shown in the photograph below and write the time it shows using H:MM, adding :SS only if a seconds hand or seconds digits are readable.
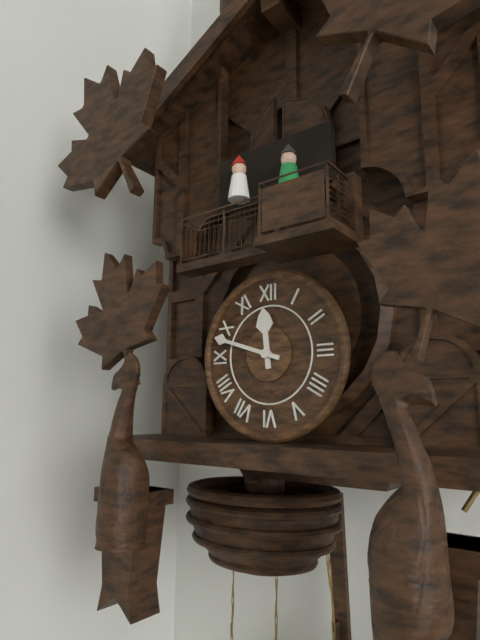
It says 11:48
